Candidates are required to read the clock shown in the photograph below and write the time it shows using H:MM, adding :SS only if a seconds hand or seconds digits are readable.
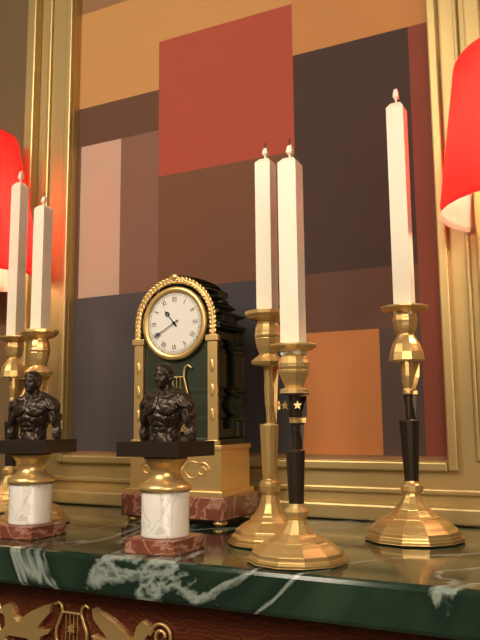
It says 10:40
